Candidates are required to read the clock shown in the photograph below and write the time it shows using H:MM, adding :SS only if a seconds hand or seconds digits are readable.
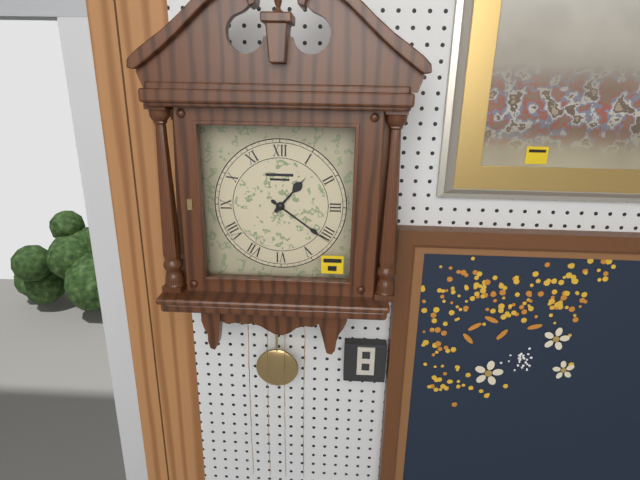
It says 1:21
